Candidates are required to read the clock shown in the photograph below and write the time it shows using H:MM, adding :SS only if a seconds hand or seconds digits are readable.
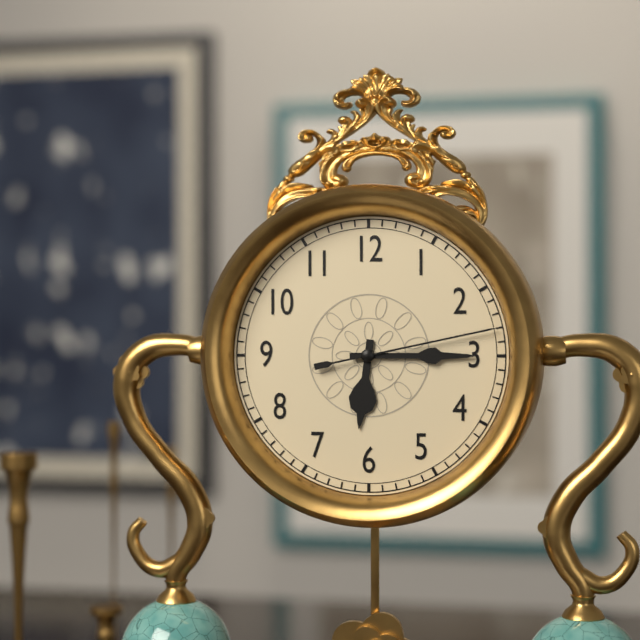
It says 6:15:13
